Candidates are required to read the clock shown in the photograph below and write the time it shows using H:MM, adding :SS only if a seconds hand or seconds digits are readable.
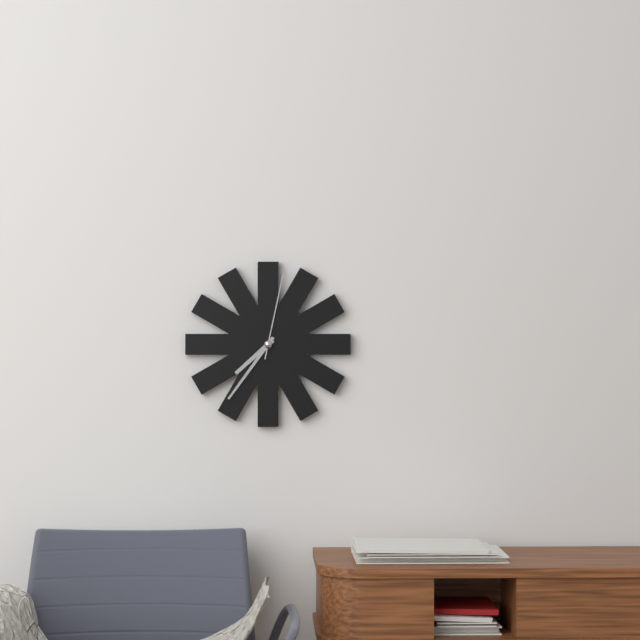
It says 7:36:02
